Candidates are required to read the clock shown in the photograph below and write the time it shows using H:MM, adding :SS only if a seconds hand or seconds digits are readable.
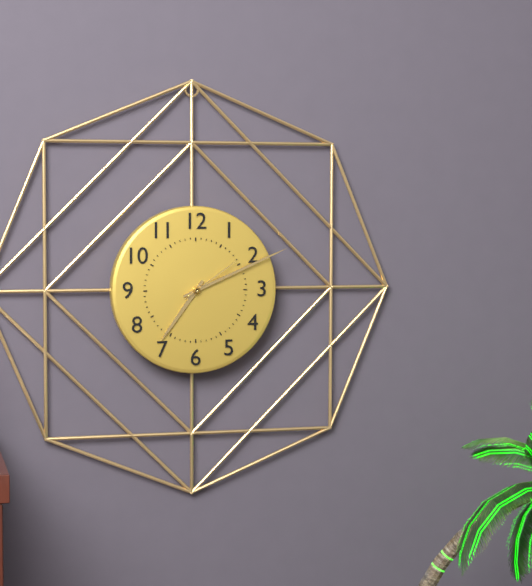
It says 7:11:09
